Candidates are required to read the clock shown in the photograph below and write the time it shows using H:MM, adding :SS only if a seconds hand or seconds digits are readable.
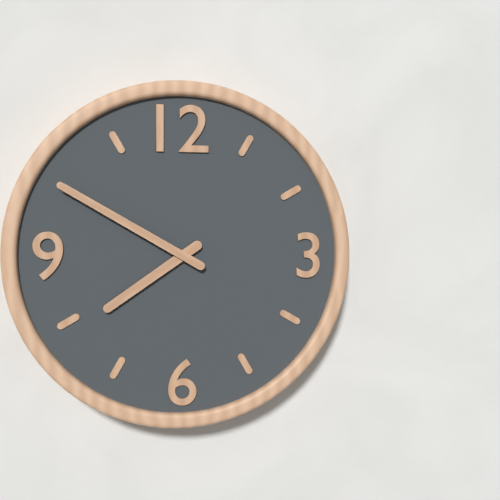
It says 7:50
